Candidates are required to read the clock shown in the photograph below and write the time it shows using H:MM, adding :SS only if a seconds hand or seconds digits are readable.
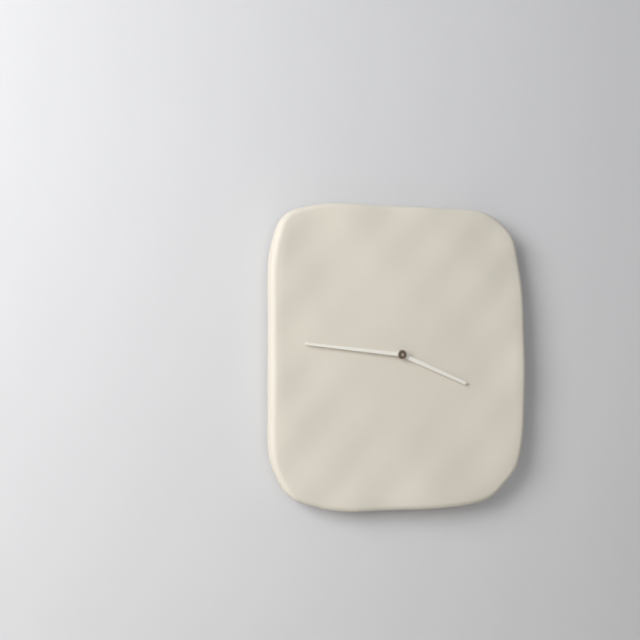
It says 3:46
